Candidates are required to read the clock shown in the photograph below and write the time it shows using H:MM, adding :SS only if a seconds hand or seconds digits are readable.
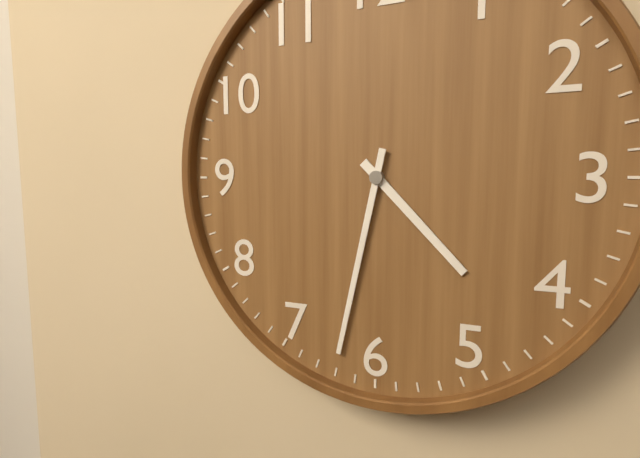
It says 4:32
